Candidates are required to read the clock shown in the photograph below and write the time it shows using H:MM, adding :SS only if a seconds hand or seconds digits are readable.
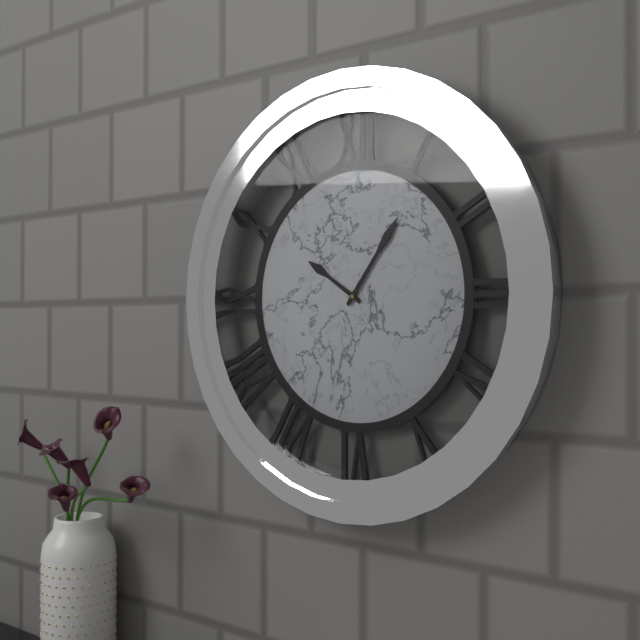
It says 10:06
